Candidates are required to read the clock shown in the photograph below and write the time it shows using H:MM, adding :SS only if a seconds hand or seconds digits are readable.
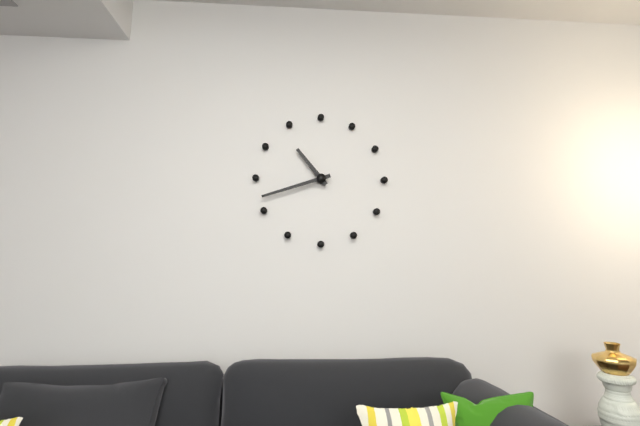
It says 10:42
